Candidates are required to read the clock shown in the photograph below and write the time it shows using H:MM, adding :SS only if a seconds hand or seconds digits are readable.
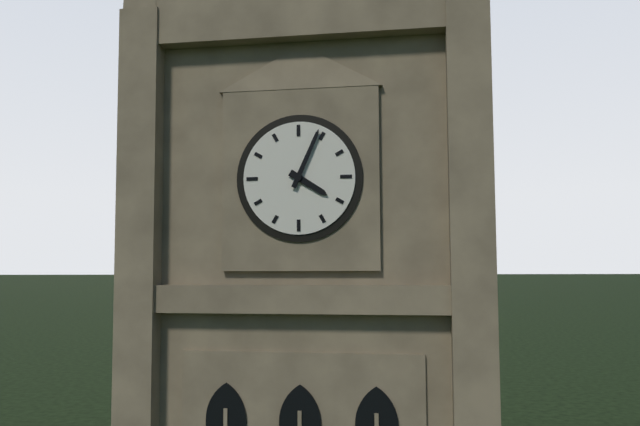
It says 4:04
